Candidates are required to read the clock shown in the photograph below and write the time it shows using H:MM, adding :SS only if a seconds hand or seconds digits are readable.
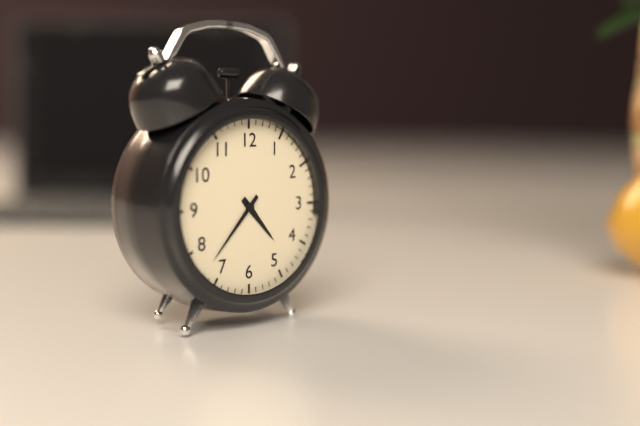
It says 4:37
